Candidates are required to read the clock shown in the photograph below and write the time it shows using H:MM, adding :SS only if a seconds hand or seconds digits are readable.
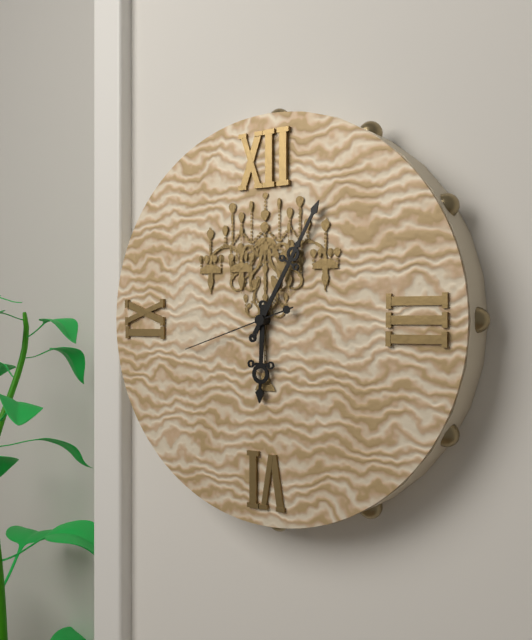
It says 6:05:42
